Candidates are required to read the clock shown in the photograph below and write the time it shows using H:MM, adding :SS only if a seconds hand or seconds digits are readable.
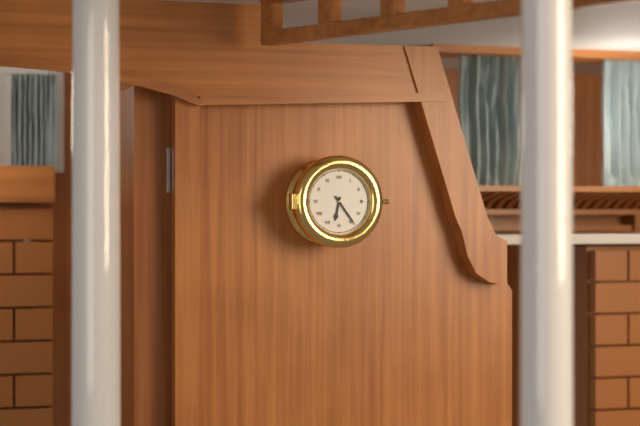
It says 6:24
